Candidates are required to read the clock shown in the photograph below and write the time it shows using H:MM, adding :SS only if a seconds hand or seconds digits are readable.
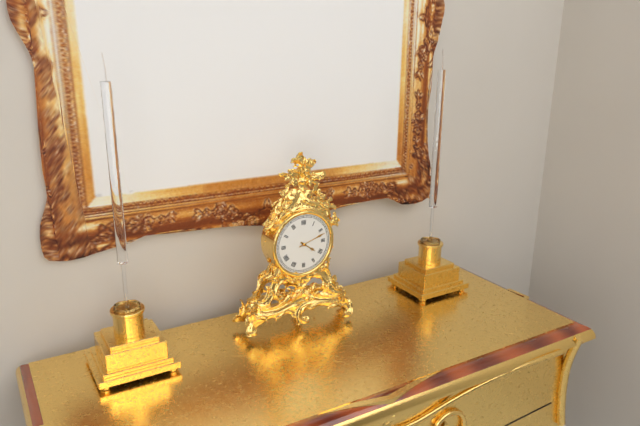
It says 4:12
